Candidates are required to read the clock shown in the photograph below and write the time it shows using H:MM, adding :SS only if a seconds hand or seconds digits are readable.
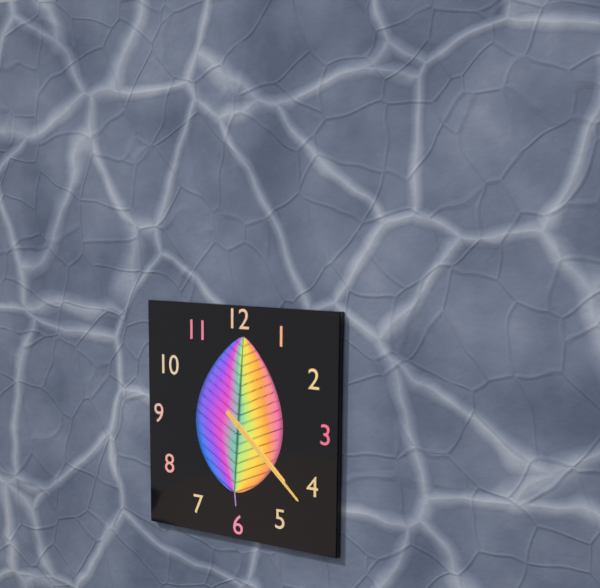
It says 4:22
